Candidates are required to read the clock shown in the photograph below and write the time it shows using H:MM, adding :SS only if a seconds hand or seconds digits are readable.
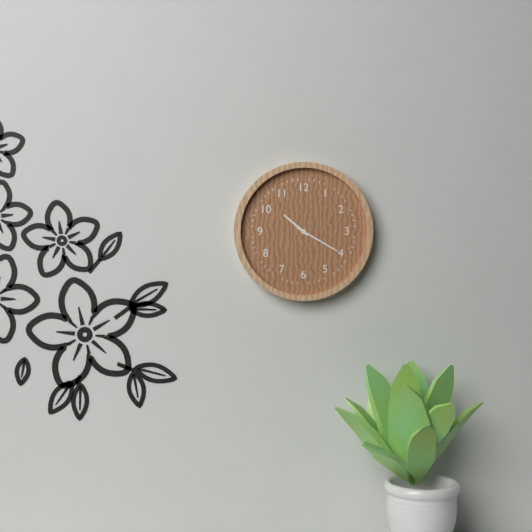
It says 10:20
